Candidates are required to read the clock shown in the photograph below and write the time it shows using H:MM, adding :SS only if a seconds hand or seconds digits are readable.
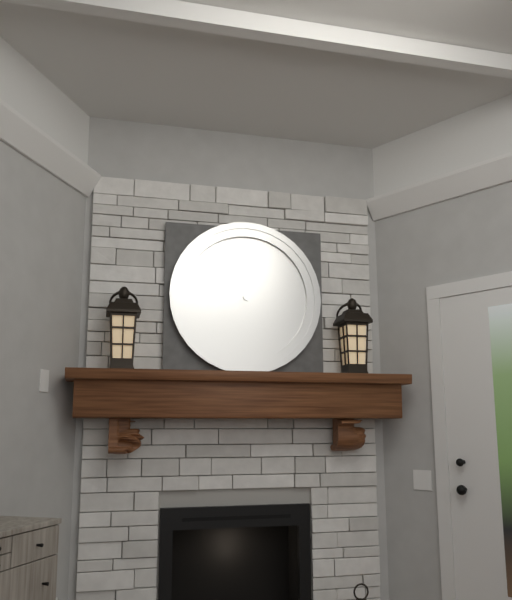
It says 1:37
